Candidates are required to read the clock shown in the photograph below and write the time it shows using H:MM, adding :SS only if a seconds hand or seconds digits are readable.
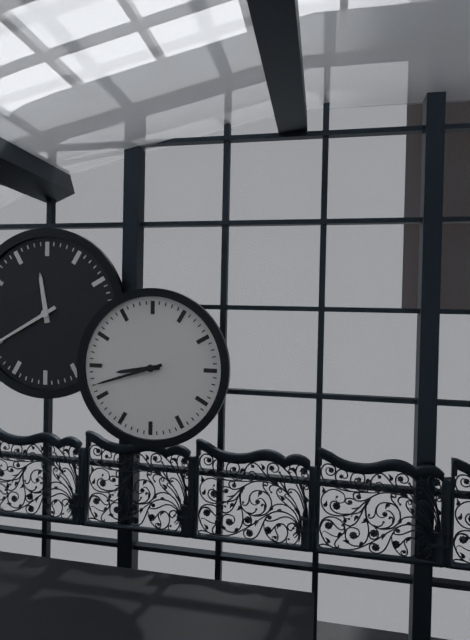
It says 8:42
